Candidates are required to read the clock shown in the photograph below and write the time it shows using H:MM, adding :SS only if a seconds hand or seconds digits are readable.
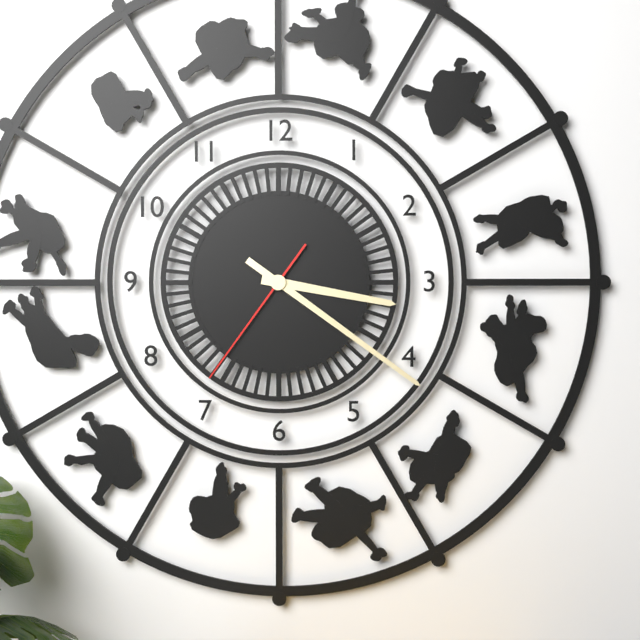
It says 3:21:36
